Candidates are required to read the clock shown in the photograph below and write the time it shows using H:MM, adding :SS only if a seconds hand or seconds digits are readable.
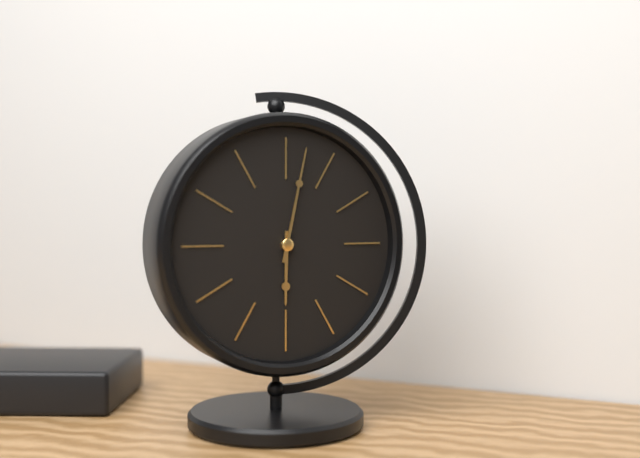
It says 6:02
